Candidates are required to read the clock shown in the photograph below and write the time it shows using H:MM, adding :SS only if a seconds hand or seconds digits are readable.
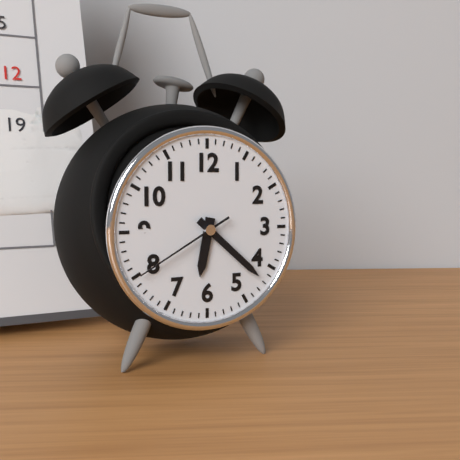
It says 6:22:40
